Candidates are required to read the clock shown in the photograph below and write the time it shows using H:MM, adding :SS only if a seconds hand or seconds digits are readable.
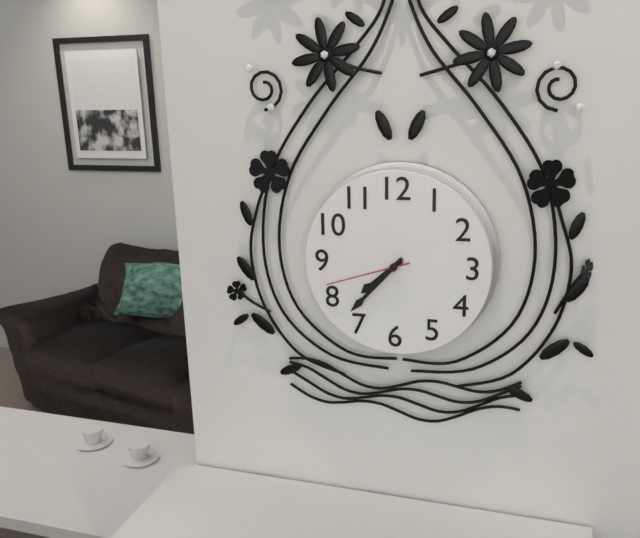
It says 7:37:42
